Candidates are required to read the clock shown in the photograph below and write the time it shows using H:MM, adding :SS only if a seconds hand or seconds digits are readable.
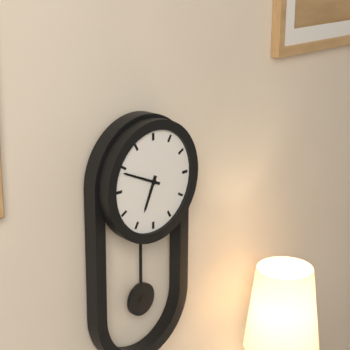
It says 6:49
